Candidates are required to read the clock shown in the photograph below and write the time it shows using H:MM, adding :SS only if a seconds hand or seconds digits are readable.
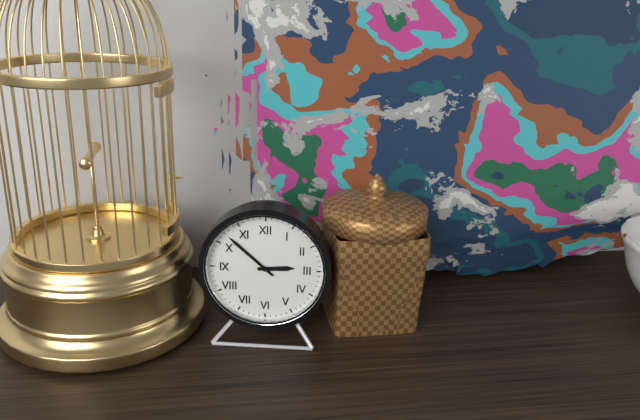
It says 2:52
